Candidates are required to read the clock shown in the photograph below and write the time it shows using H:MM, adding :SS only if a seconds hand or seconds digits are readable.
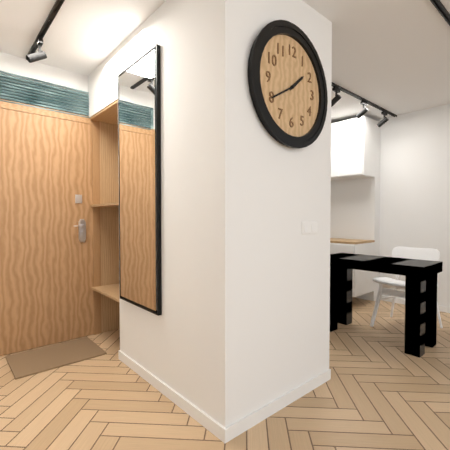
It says 1:40
